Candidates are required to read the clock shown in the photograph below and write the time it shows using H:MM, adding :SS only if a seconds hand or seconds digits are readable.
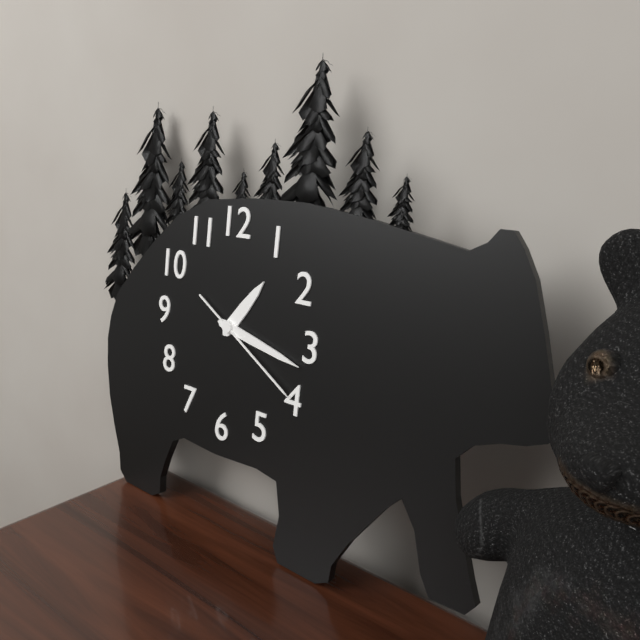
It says 1:17:20
